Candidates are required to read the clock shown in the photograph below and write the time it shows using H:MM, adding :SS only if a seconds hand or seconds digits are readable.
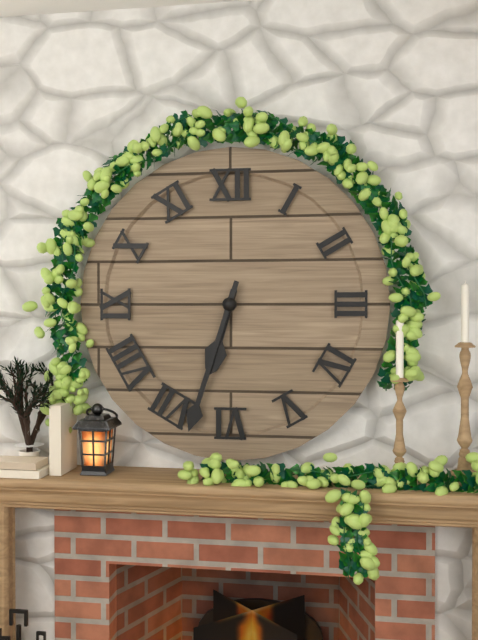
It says 6:33
